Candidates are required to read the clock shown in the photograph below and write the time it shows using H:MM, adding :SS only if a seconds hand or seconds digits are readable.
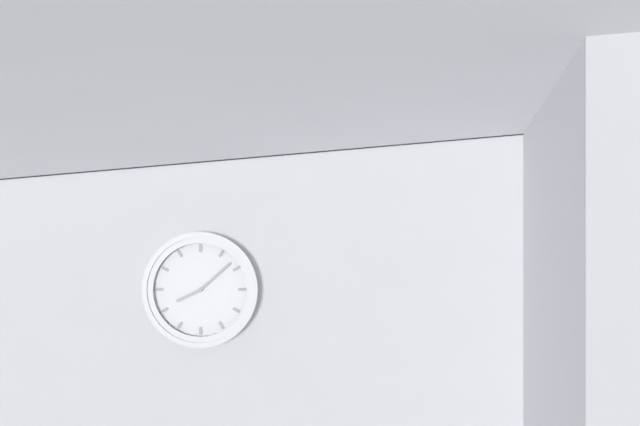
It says 8:08
